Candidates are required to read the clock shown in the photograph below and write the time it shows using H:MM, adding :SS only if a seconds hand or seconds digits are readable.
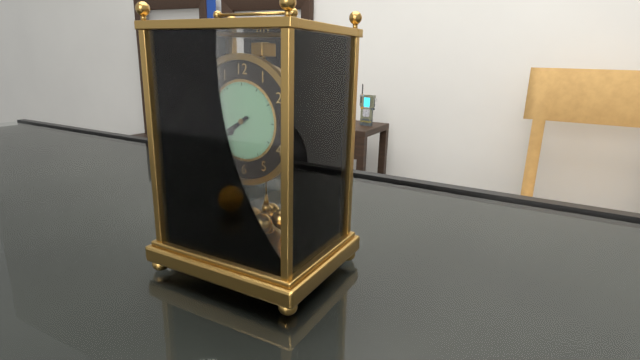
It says 7:40
